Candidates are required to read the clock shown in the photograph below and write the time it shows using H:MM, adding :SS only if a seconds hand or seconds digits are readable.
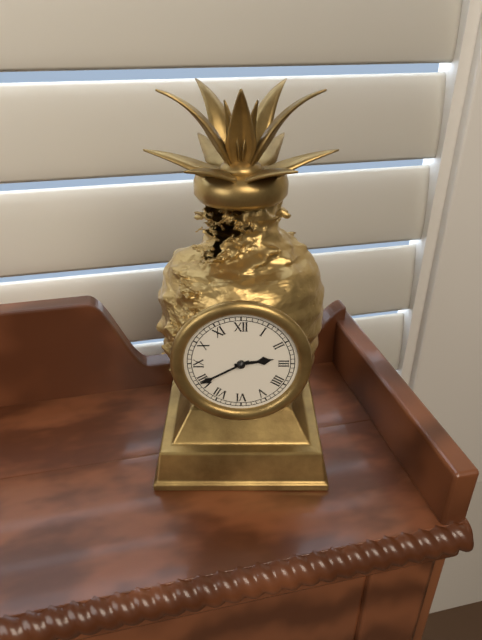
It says 2:40
